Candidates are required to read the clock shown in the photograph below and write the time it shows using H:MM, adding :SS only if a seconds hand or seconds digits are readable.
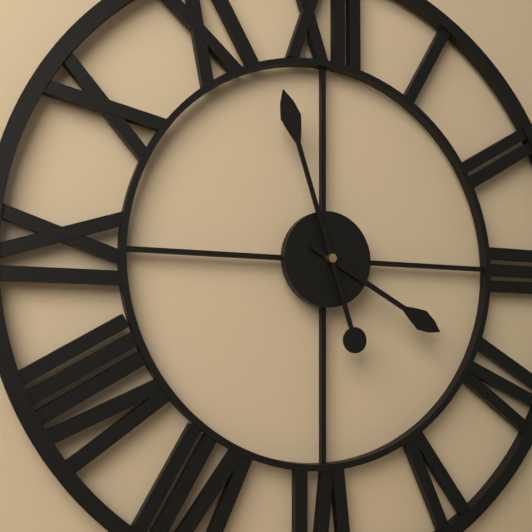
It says 3:57
